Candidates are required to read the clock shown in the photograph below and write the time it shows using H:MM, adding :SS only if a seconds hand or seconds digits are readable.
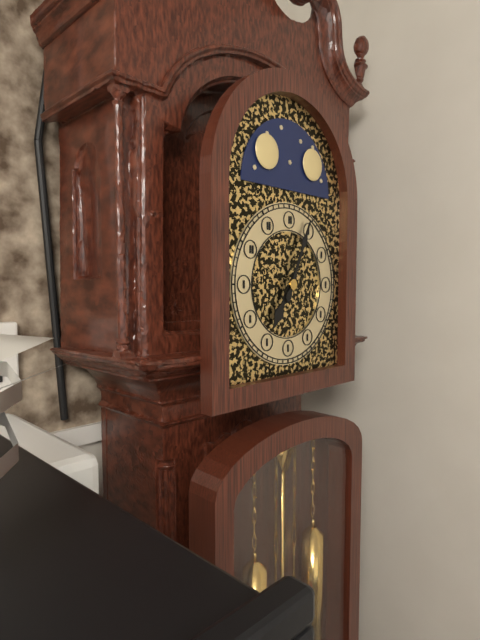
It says 7:04
